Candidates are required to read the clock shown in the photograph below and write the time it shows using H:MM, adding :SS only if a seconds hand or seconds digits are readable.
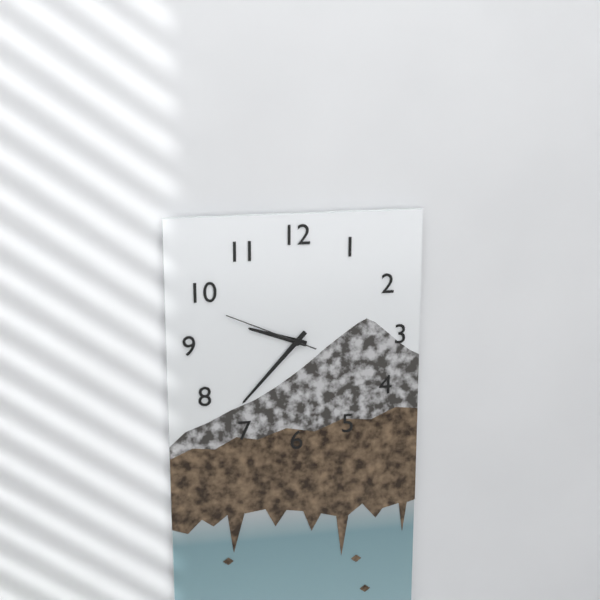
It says 9:37:49
